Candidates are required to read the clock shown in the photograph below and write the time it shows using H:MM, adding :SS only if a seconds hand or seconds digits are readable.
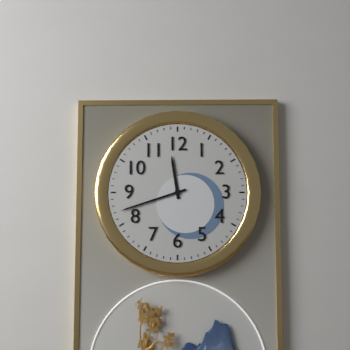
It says 11:42
